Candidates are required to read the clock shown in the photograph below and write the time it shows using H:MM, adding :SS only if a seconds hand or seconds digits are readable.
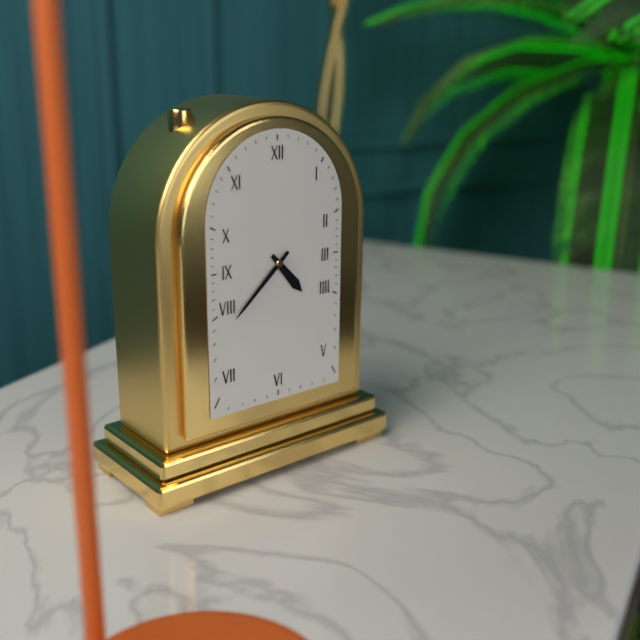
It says 4:38
